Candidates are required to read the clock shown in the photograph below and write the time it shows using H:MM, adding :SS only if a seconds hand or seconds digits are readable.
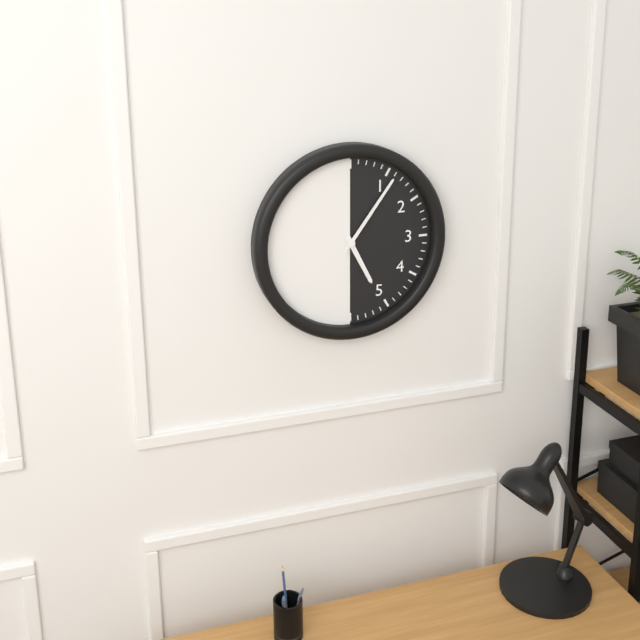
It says 5:06
